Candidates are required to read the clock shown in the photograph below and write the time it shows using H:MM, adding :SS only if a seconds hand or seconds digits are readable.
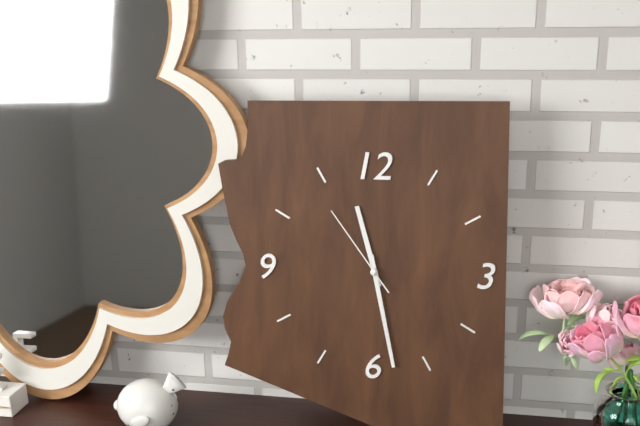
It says 11:28:54
